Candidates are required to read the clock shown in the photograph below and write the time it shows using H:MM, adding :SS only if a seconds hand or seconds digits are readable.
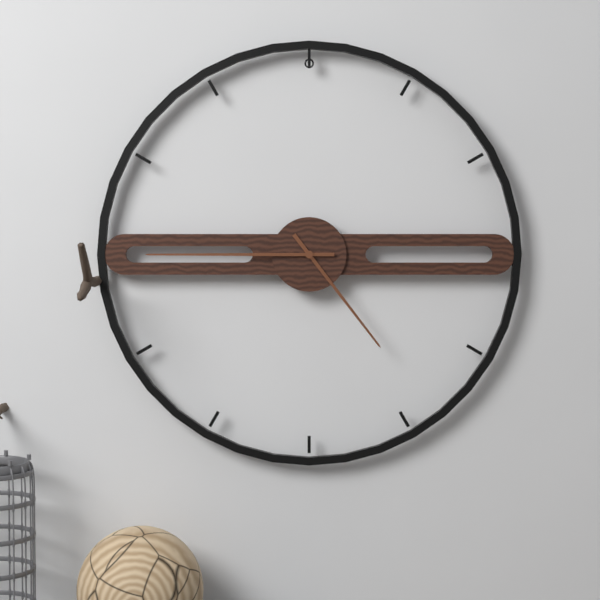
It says 4:45
